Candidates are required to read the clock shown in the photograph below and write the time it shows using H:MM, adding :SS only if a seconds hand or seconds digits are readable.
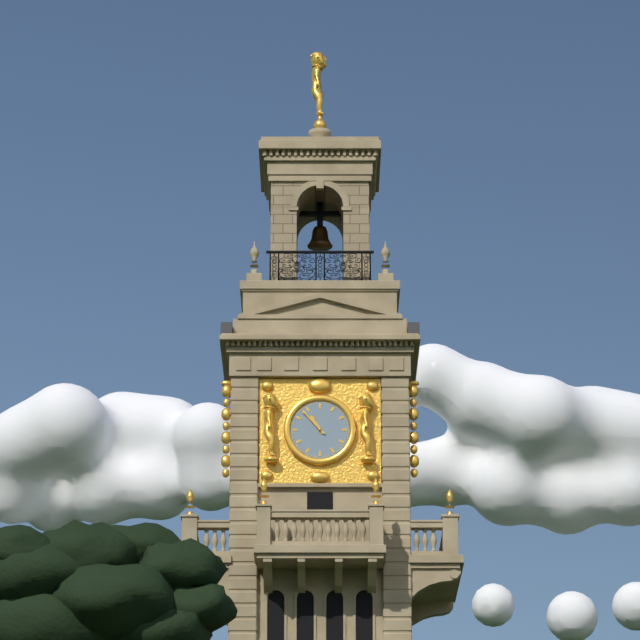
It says 10:53
